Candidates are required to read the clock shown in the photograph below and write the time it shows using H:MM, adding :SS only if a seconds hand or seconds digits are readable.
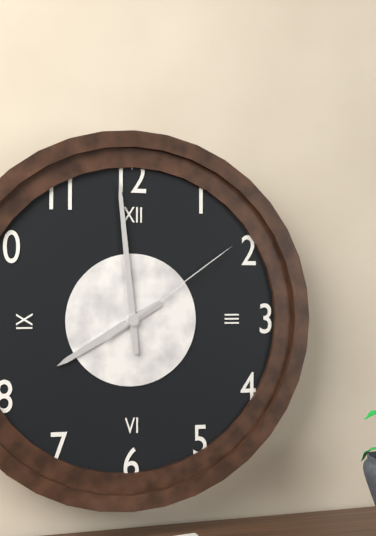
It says 7:59:09
